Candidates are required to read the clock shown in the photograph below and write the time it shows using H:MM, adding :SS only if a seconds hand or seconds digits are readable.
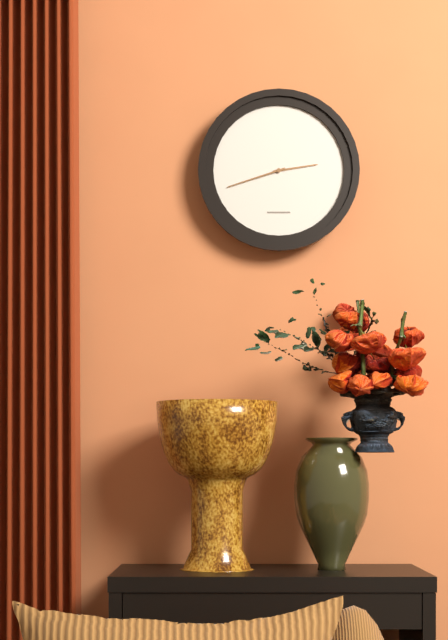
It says 2:42
